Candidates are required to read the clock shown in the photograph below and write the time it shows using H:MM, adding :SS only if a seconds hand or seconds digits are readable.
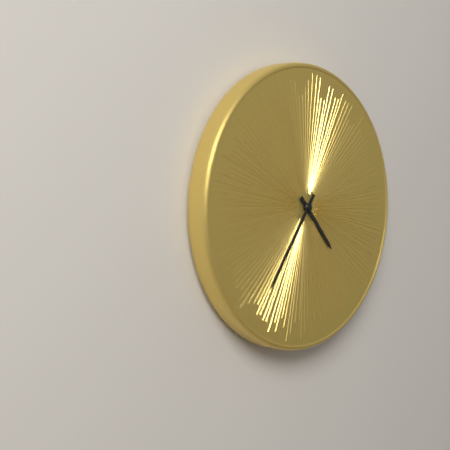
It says 4:36
